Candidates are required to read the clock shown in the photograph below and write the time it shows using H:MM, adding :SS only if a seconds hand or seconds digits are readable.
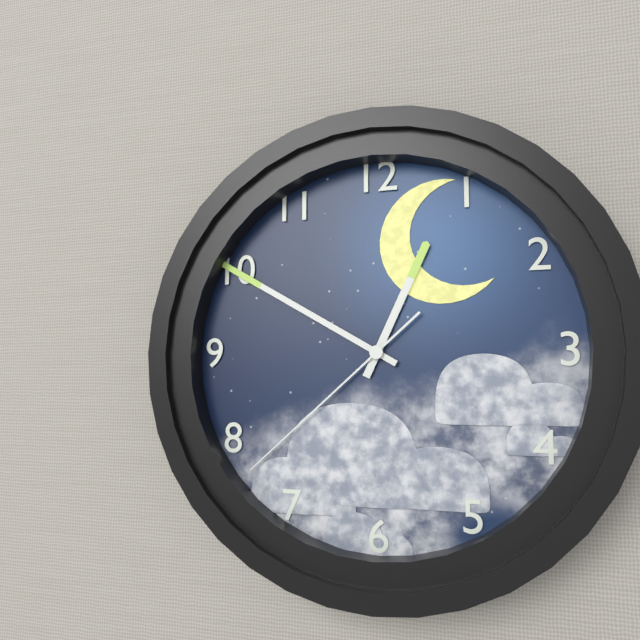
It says 12:50:38
